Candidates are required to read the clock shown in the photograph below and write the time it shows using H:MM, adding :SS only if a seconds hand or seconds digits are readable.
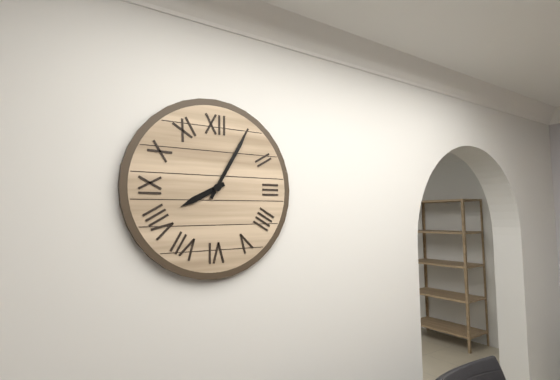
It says 8:05
